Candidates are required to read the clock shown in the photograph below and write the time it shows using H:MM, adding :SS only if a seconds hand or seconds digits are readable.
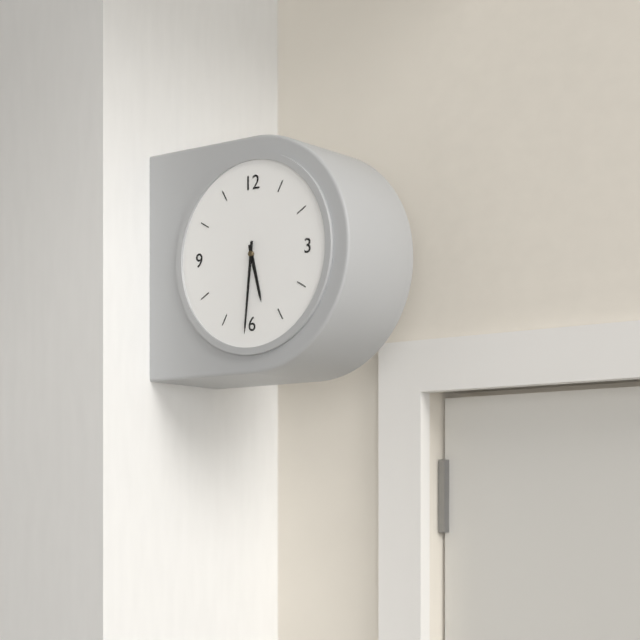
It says 5:31
